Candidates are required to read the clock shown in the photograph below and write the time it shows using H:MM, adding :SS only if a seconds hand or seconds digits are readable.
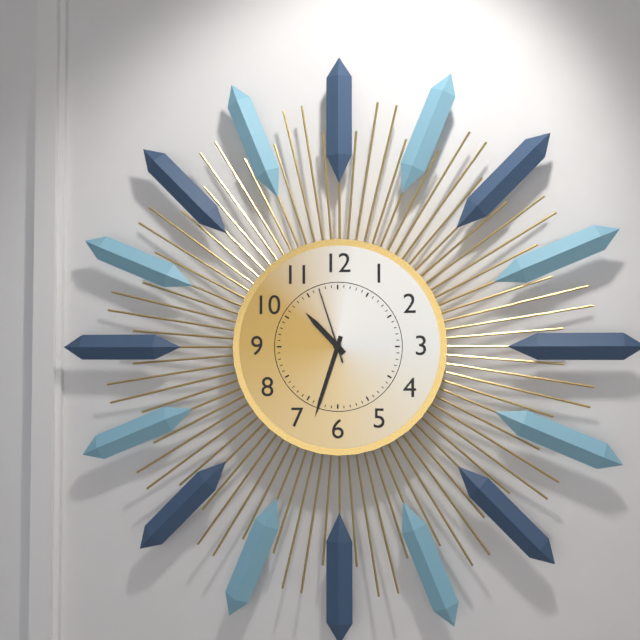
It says 10:33:57
